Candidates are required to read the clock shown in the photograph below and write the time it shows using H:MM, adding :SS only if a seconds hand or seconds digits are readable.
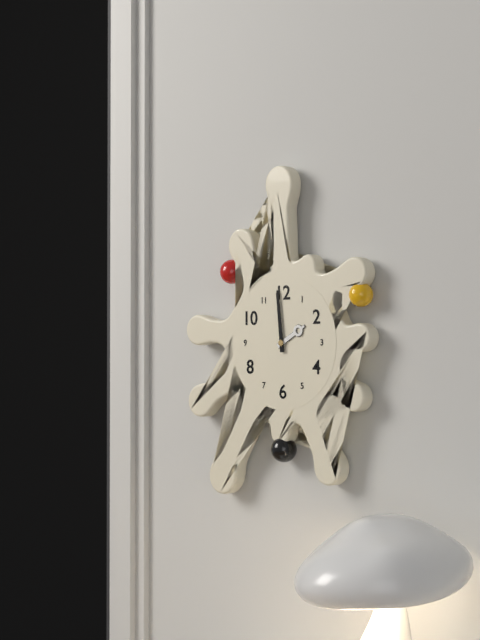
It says 1:59
